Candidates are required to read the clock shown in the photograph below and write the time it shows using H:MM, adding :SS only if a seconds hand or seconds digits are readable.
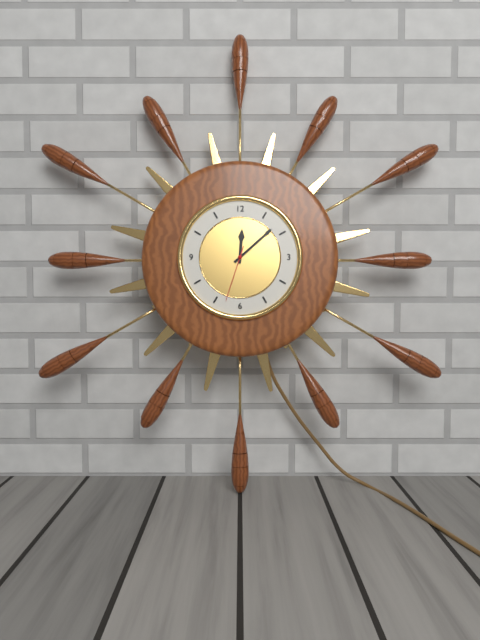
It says 12:08:33
